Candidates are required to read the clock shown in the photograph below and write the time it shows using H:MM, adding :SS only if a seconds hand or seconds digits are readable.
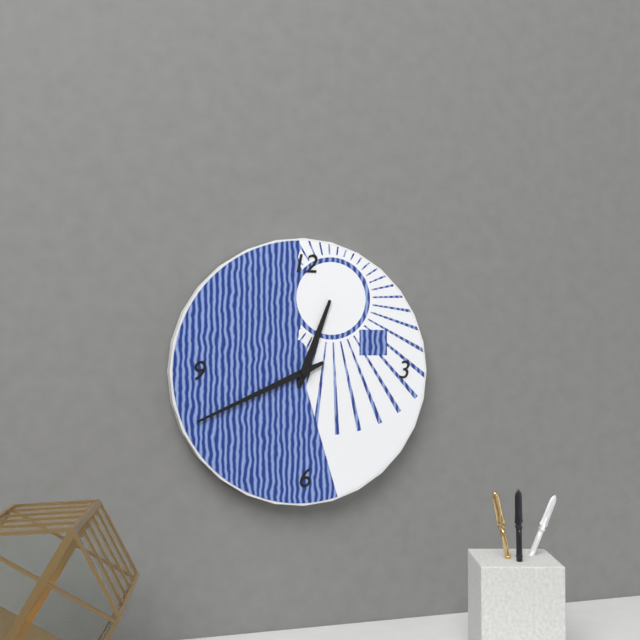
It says 12:41
